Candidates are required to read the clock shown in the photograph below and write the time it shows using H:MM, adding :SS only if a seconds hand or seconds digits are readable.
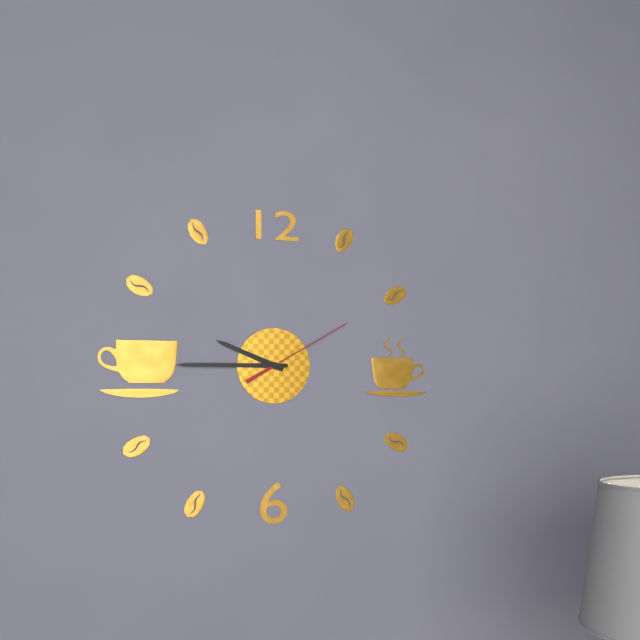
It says 9:45:10
